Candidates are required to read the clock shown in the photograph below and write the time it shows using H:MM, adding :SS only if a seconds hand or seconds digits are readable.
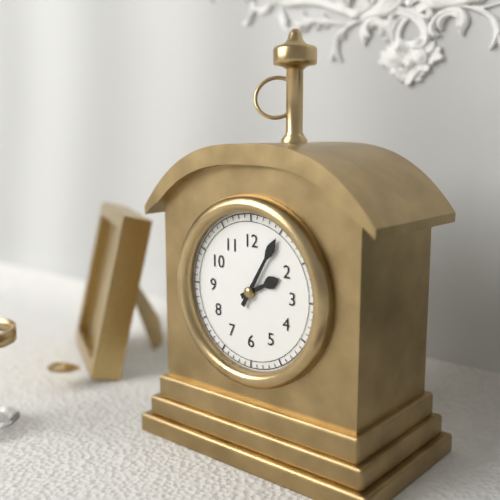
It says 2:05
